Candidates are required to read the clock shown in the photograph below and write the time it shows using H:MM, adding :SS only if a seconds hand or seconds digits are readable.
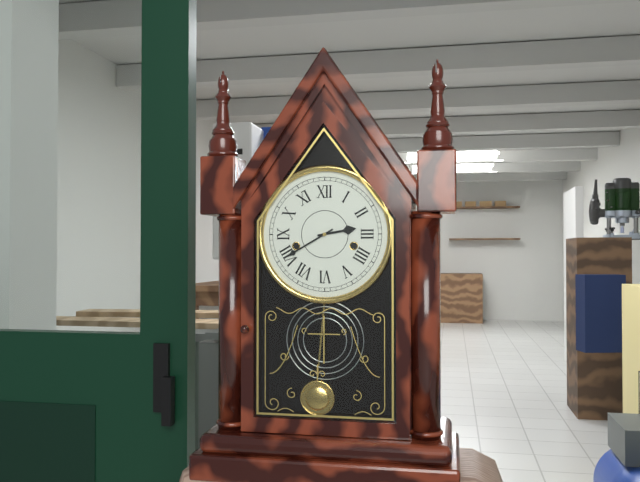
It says 2:40
